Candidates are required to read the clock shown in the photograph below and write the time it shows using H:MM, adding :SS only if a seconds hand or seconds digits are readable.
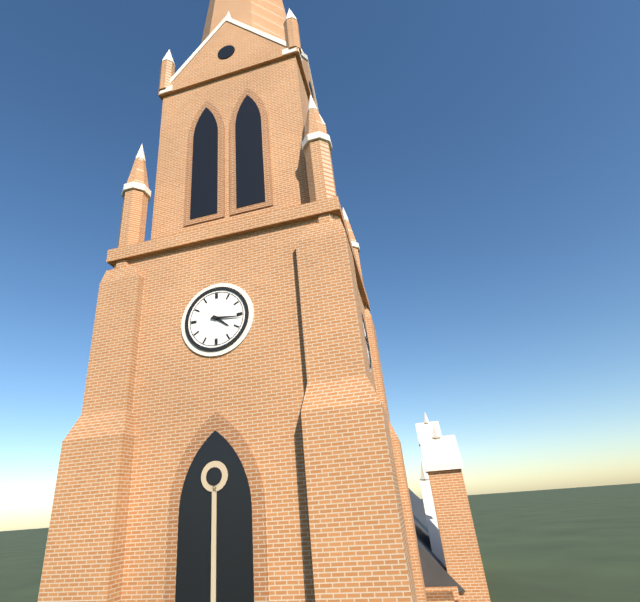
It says 4:16
